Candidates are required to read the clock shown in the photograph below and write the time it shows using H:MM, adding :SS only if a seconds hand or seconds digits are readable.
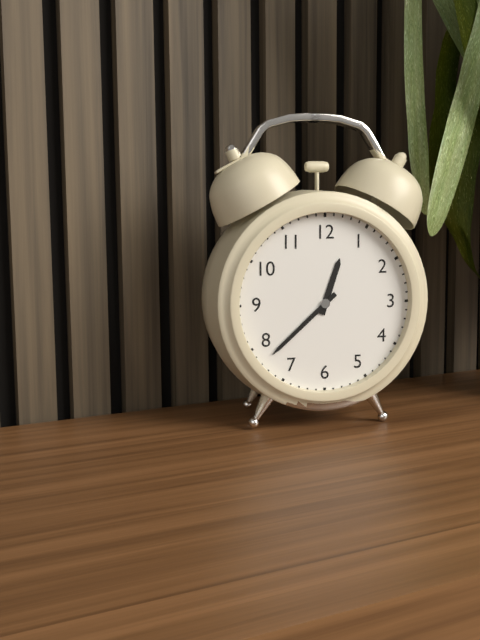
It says 12:38
